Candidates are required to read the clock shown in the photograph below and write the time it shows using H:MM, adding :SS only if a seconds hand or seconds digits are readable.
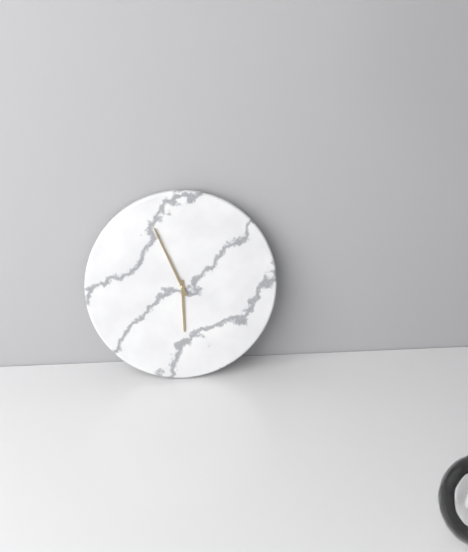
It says 5:56
